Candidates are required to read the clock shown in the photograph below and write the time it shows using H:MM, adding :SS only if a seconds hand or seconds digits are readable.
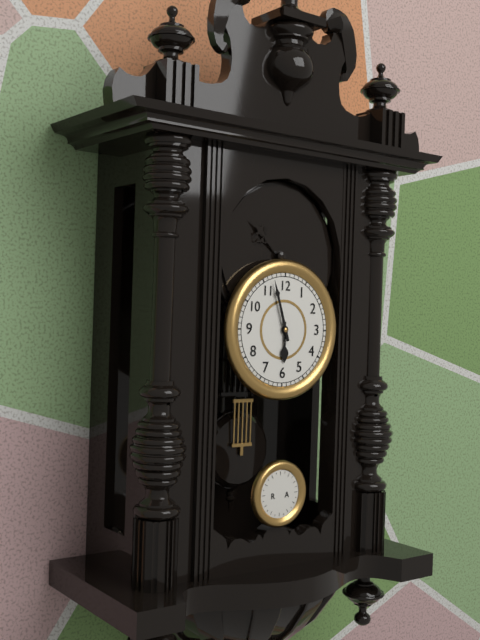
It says 5:57
